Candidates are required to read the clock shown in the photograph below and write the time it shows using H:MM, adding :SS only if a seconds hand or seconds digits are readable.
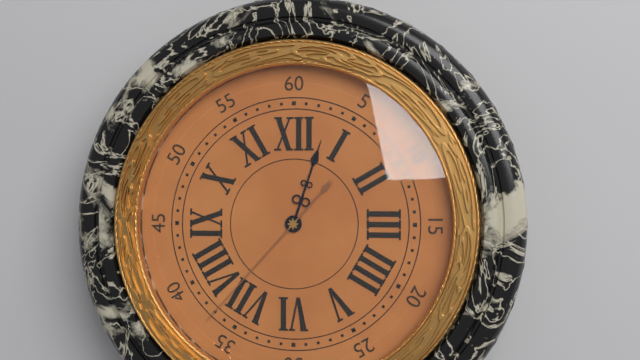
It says 12:37
